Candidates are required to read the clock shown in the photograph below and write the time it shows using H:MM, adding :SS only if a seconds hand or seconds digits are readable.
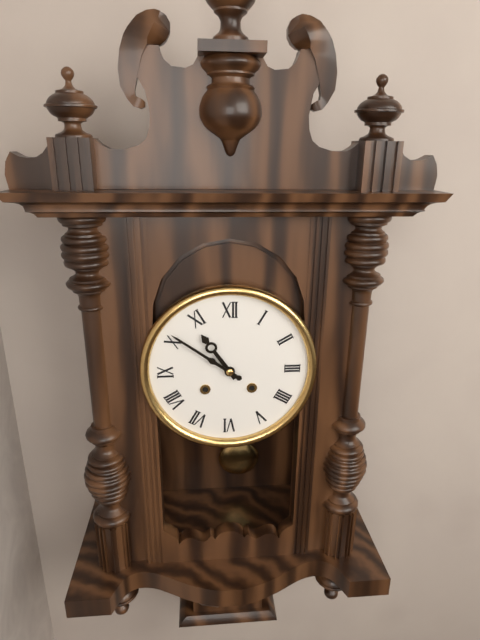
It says 10:51
